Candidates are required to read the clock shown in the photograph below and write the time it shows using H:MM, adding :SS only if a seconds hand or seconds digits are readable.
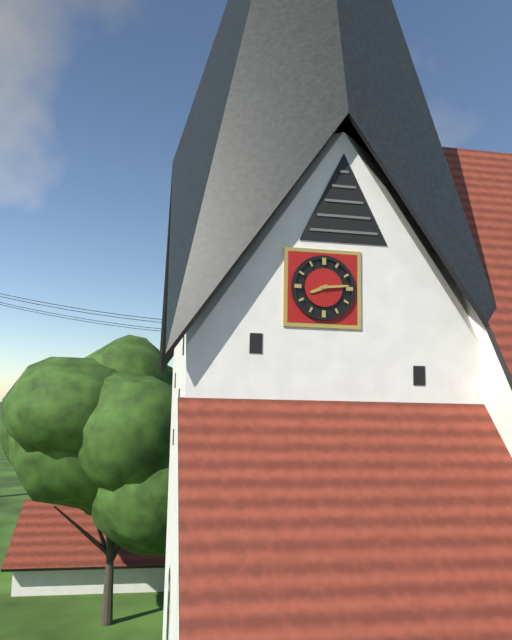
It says 8:14
